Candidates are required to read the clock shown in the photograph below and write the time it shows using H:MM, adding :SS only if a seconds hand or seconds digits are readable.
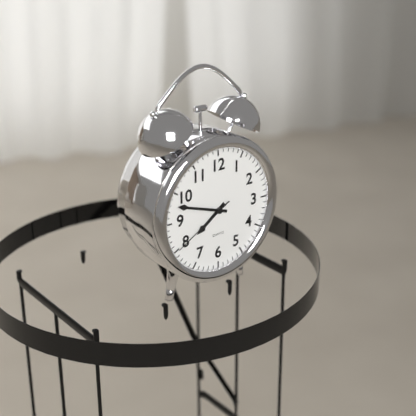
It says 7:48:40
